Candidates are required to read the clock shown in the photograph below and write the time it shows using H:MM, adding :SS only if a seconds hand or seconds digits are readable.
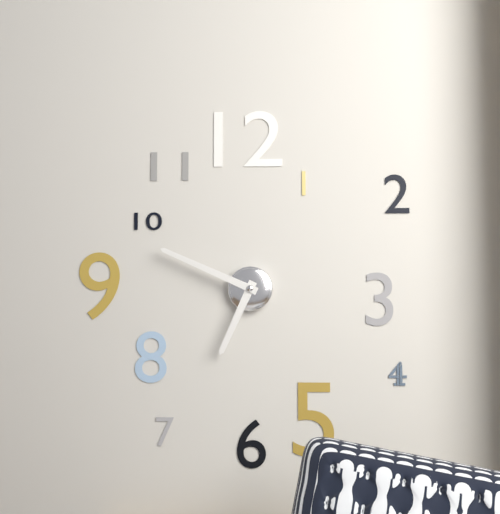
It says 6:49
